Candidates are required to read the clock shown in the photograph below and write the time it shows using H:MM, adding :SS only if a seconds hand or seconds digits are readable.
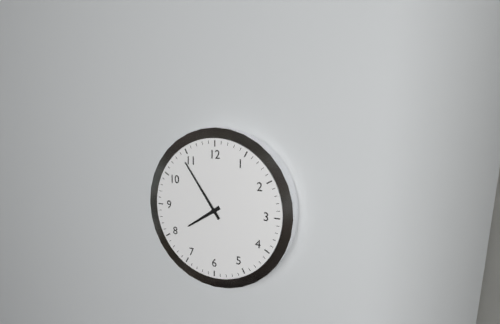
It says 7:54
